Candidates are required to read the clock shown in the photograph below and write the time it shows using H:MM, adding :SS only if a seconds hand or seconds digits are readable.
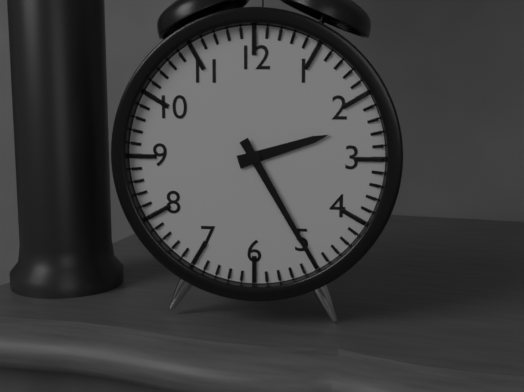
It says 2:25
